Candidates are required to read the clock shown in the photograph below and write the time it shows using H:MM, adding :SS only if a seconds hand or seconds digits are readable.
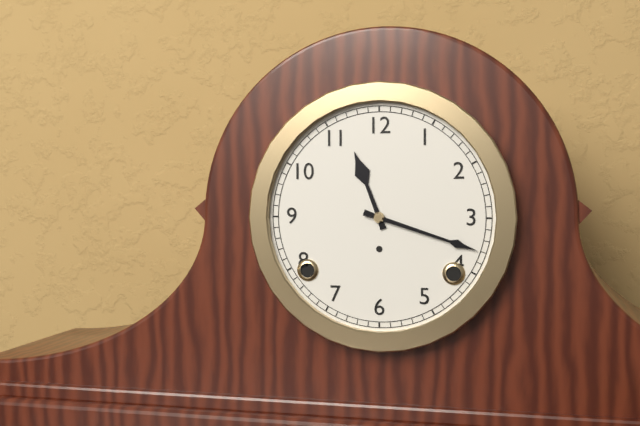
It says 11:18
